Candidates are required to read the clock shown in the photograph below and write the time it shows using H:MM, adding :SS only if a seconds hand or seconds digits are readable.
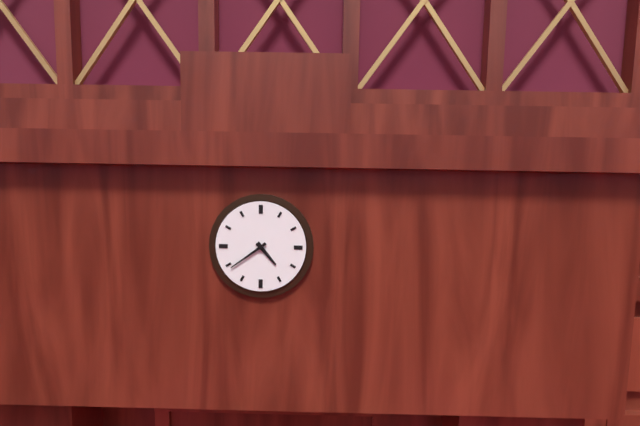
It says 4:39
